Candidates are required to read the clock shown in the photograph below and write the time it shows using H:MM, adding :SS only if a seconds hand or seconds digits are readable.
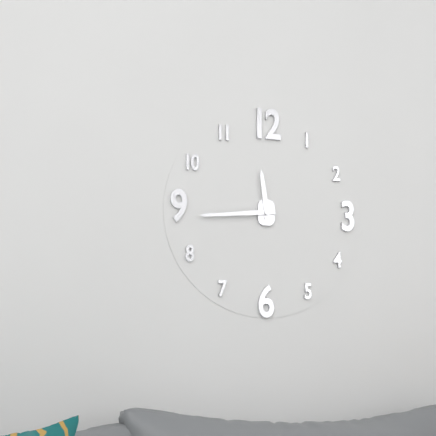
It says 11:44
